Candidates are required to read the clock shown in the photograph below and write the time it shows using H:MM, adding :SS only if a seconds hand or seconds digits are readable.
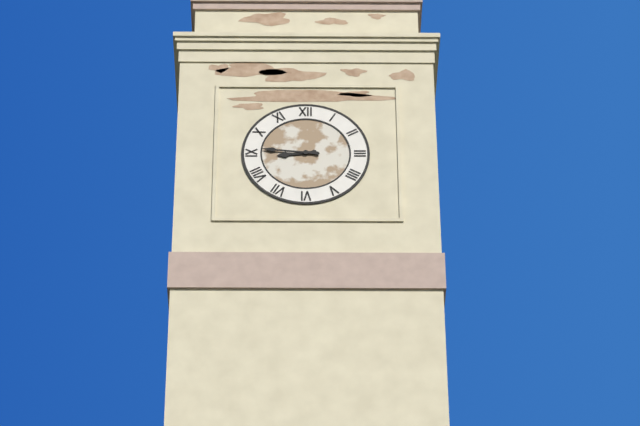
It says 8:46
